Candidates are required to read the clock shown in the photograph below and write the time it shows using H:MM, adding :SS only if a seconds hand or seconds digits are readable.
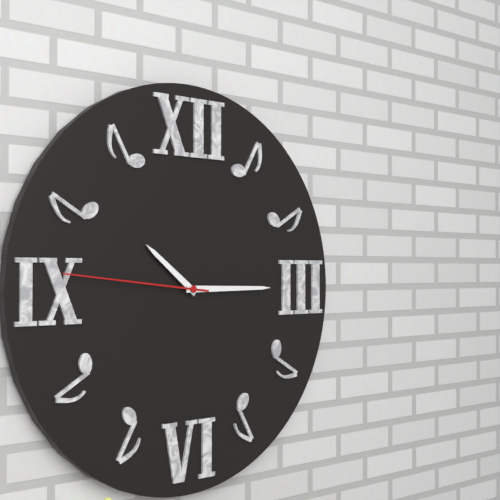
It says 10:15:46
